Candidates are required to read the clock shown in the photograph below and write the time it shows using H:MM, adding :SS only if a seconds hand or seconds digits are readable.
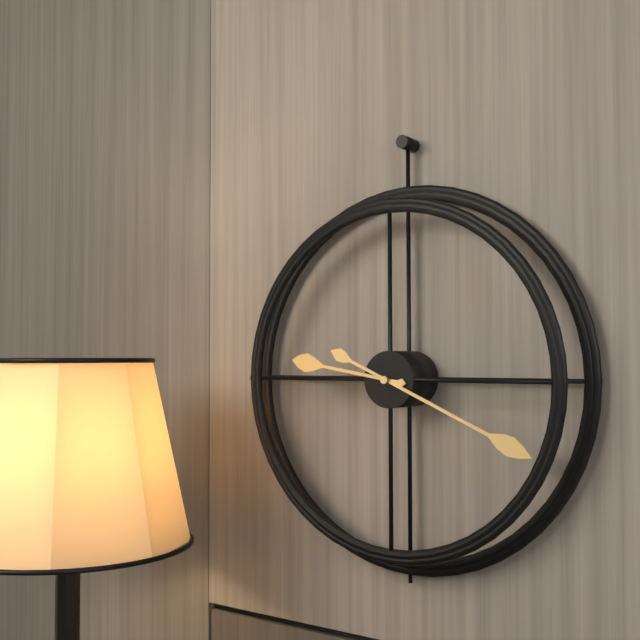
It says 9:19
